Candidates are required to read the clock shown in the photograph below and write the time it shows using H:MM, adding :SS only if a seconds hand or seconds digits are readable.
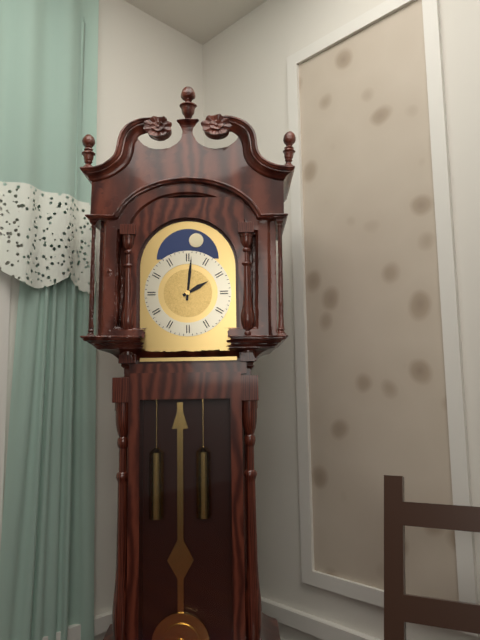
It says 2:01
